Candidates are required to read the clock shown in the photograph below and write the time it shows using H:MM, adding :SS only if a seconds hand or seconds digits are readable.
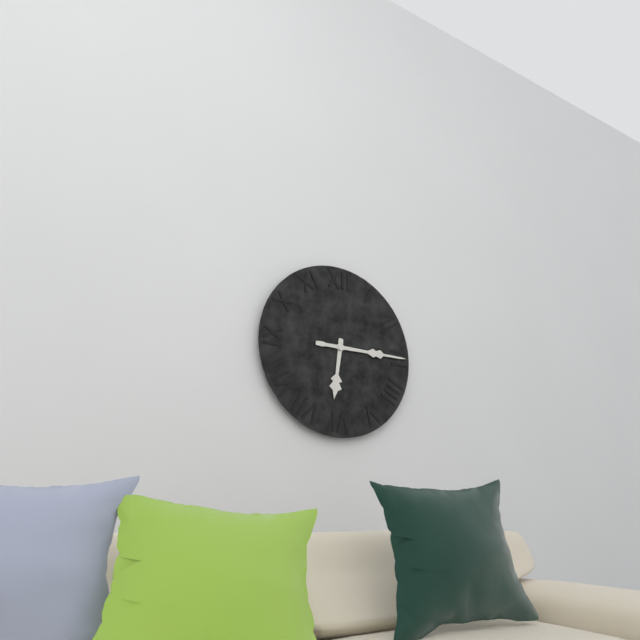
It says 6:15
